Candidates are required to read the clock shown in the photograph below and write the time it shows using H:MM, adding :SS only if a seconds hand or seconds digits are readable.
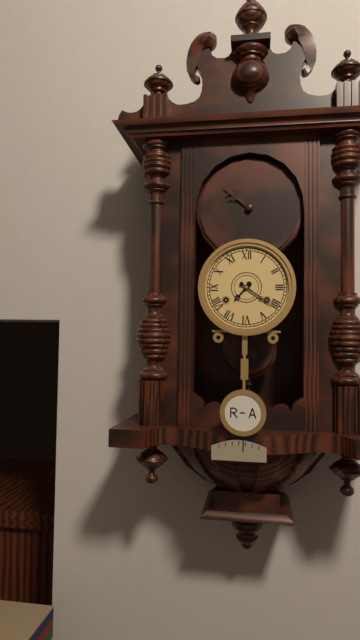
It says 7:21
